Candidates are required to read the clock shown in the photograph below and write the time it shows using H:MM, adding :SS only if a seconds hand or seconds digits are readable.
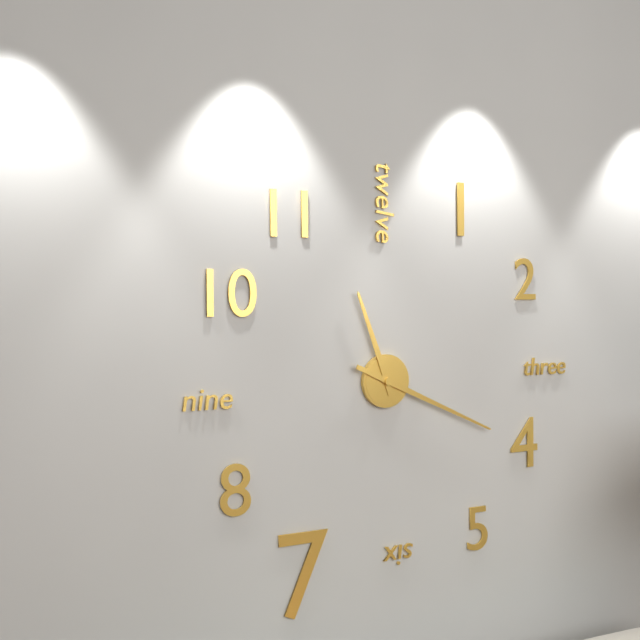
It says 11:19
